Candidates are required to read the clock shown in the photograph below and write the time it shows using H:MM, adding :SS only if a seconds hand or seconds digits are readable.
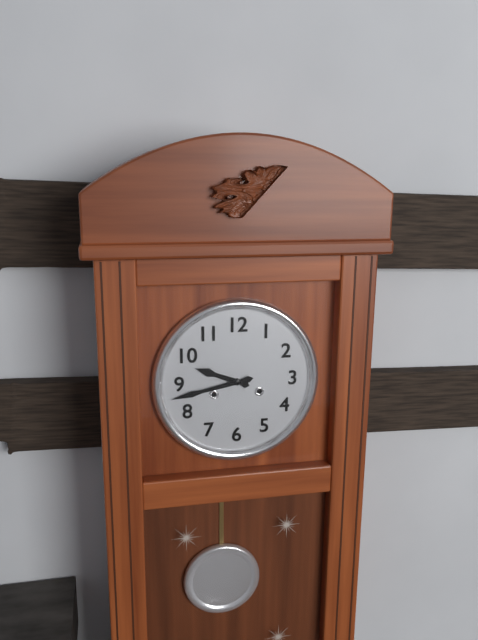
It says 9:43
